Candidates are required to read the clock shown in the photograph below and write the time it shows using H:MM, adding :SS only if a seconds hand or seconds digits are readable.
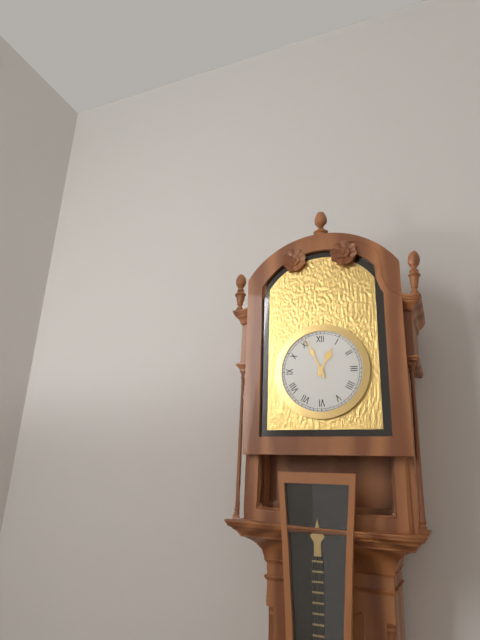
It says 12:56
